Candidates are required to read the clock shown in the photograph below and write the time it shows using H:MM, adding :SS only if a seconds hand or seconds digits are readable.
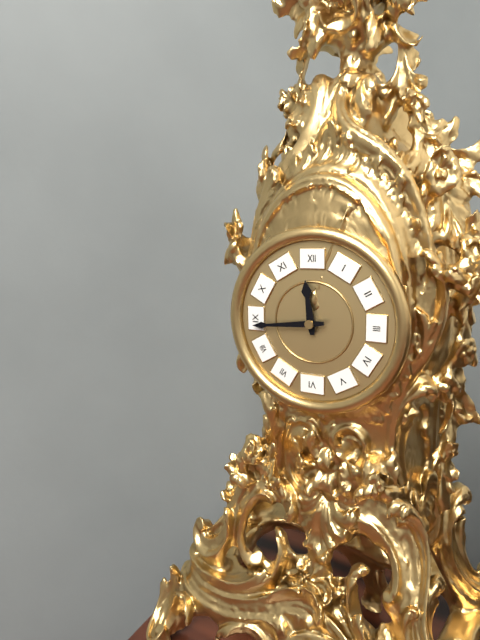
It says 11:44
